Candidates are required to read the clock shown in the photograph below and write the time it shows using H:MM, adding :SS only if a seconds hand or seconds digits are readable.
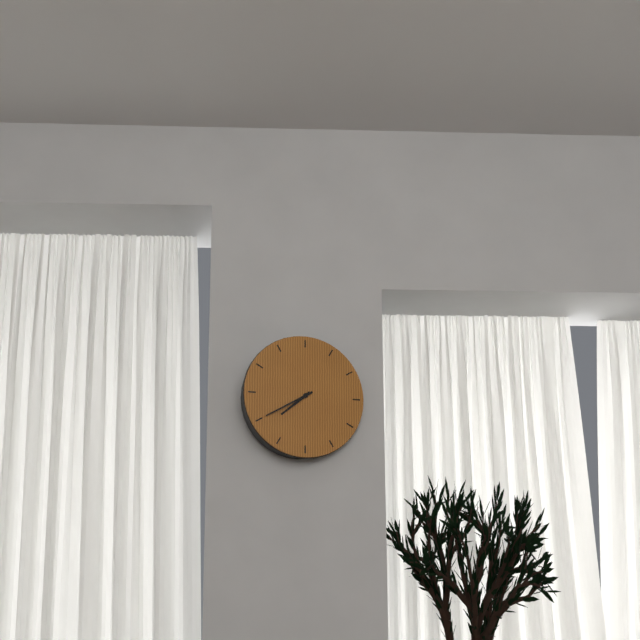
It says 7:40
